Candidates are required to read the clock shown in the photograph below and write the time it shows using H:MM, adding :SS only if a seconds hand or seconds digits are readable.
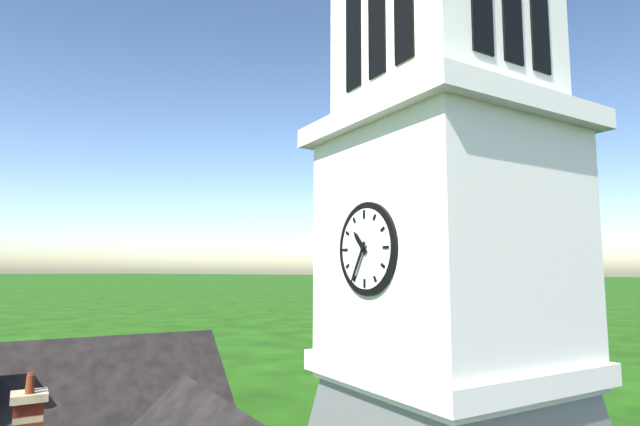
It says 10:35
